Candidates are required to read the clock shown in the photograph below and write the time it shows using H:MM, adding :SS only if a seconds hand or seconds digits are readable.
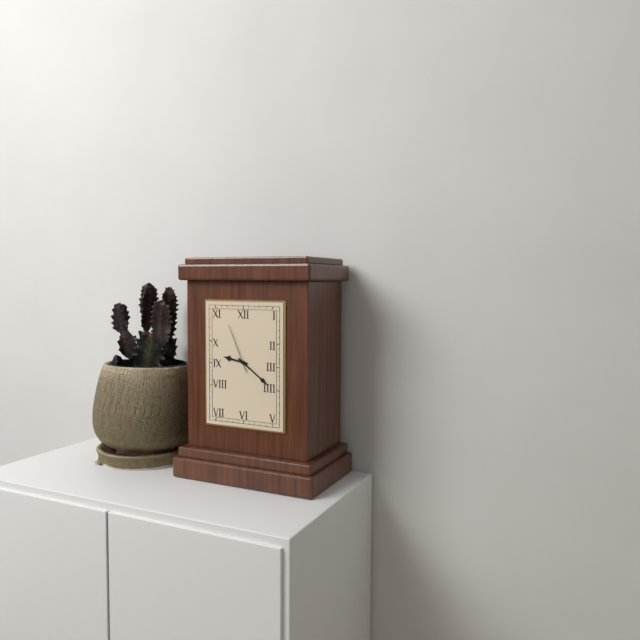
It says 9:21:56
